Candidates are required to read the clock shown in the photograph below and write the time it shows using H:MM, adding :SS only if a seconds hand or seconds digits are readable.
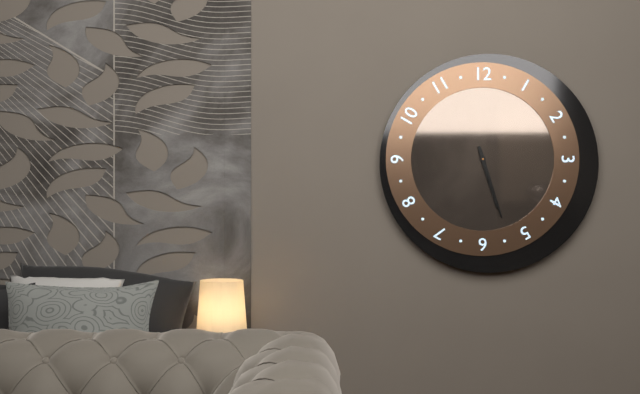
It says 5:27
